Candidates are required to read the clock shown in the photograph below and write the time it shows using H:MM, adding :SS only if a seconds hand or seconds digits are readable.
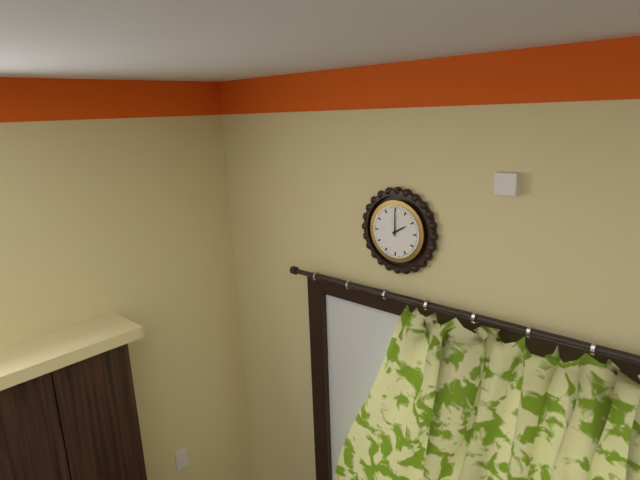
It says 2:00
